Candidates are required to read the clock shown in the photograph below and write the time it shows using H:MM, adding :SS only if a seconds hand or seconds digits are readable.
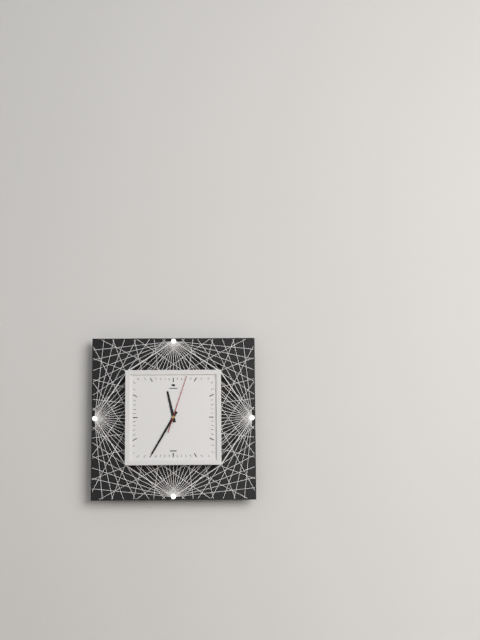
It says 11:35:03
